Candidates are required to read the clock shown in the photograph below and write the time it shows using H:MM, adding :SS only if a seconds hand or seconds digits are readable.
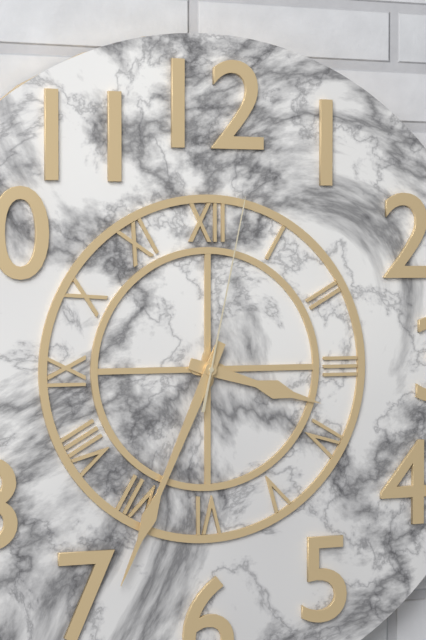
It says 3:34:02
